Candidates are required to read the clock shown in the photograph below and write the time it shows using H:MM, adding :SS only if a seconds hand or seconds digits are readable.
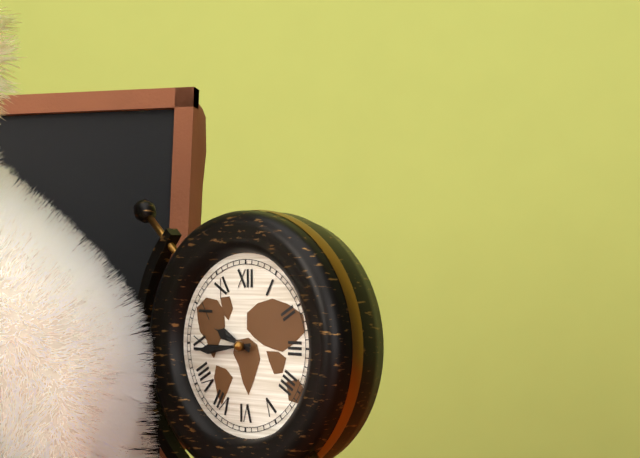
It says 9:44
